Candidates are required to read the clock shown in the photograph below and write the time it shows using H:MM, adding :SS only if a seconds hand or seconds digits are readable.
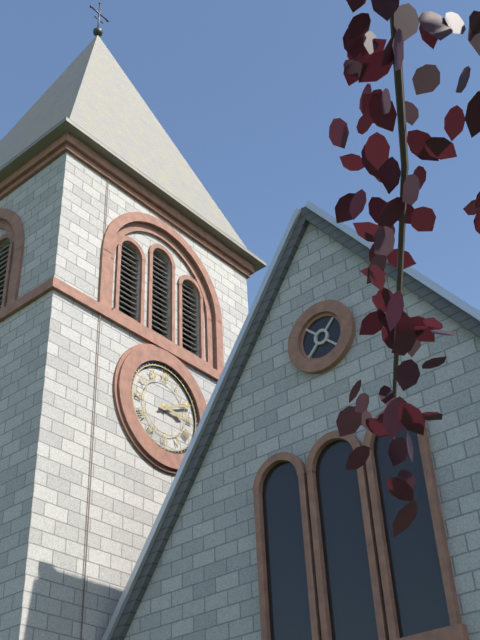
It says 3:11
